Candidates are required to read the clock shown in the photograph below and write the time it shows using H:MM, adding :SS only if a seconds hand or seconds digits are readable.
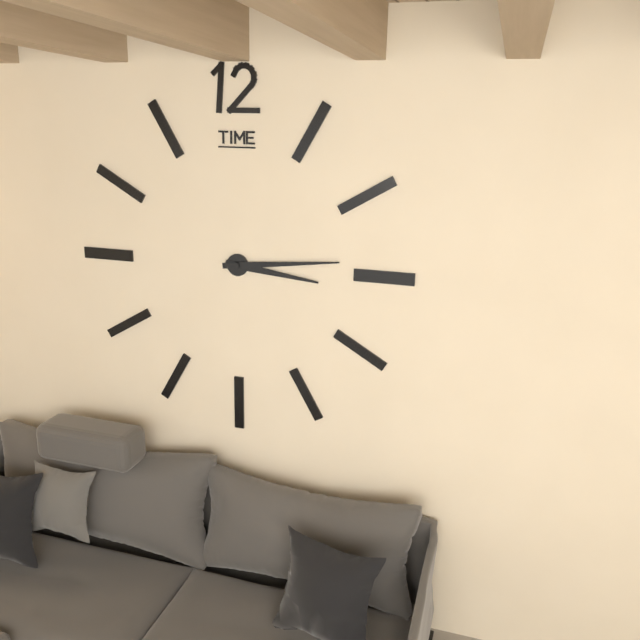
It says 3:14
